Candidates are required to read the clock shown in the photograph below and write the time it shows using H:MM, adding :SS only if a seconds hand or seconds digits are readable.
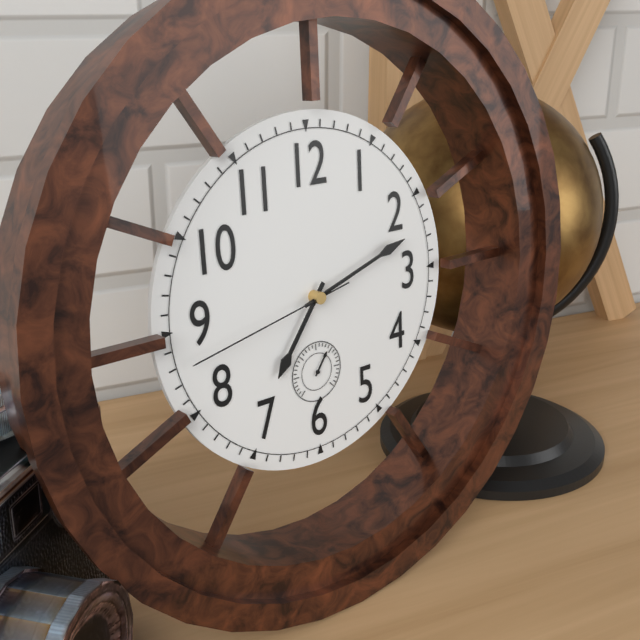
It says 7:12:43
